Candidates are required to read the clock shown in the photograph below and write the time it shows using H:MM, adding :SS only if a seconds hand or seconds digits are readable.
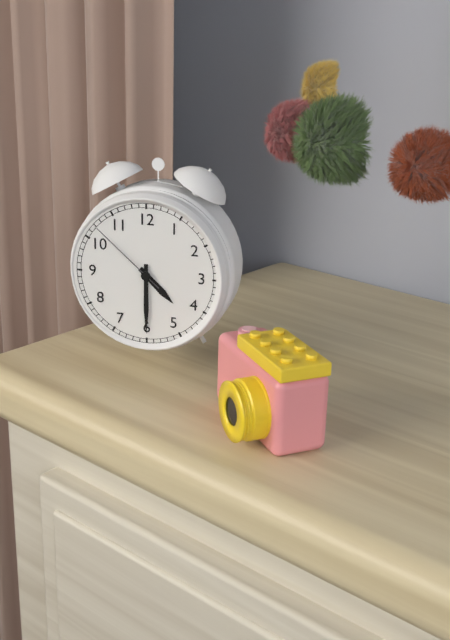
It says 4:30:52
